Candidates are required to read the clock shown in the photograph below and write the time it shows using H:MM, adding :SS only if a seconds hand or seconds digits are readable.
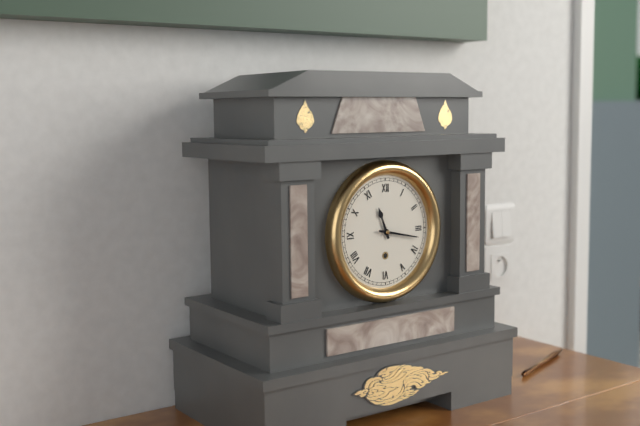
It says 11:17
